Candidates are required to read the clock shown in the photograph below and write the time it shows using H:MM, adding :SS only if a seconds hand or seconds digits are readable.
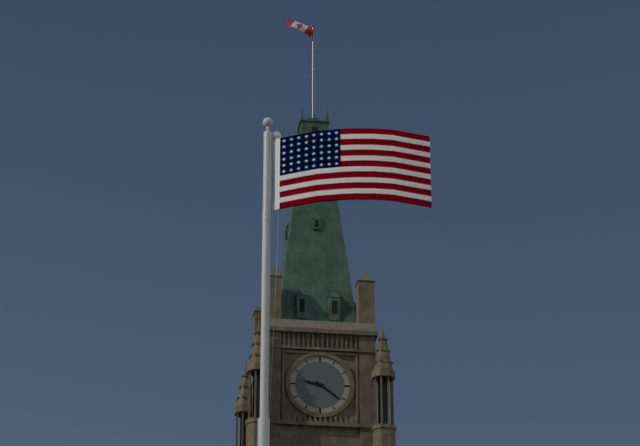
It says 9:21
